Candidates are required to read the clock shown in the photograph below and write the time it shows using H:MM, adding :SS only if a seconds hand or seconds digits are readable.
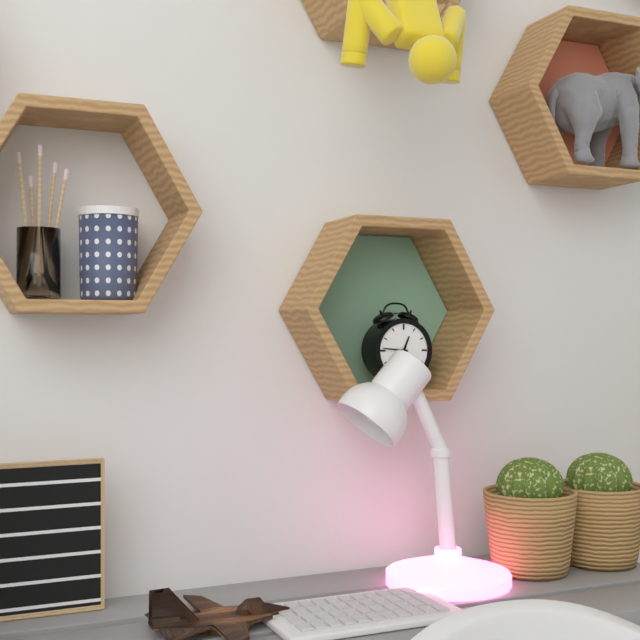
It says 12:46
